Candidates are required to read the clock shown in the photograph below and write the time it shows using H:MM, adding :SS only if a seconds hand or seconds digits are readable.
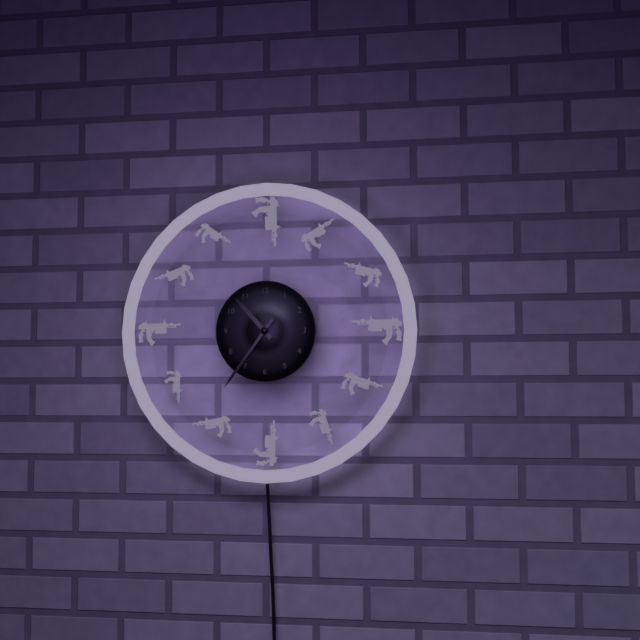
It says 10:36
